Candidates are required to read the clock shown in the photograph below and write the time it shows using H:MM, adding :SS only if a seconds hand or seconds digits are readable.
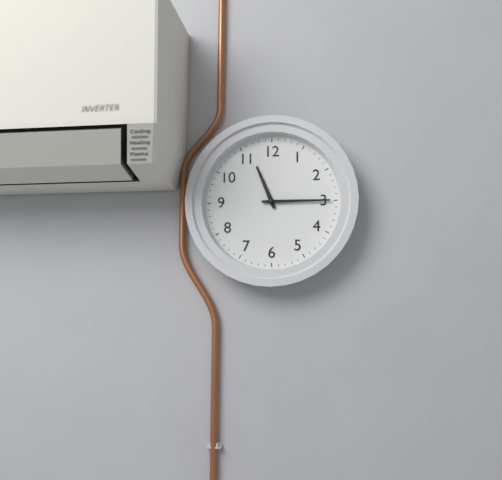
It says 11:15
